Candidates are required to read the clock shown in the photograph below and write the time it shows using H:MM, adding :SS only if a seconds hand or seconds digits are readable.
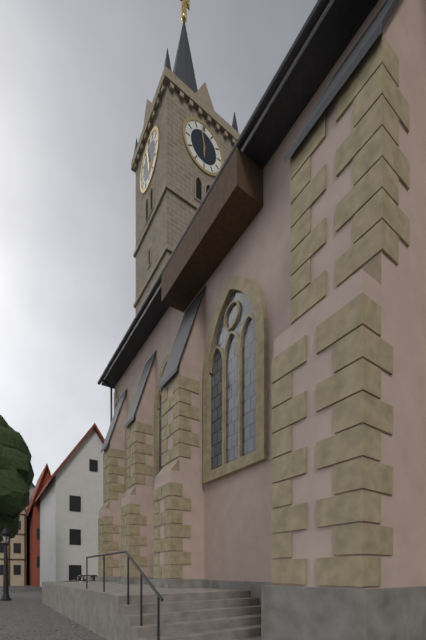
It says 5:58
